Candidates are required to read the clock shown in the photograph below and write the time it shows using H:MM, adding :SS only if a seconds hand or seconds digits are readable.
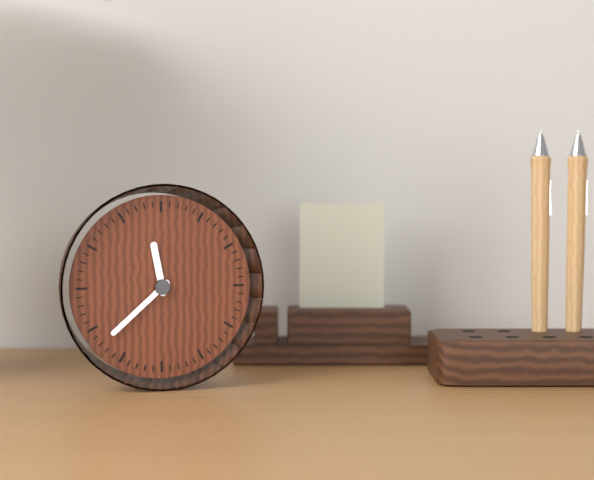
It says 11:38
